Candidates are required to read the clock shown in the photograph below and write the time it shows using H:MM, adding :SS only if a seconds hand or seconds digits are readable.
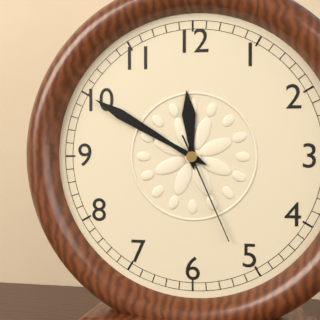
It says 11:50:26
